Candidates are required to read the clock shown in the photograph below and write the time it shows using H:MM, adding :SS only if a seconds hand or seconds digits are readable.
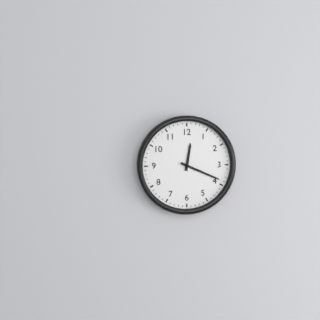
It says 12:19
